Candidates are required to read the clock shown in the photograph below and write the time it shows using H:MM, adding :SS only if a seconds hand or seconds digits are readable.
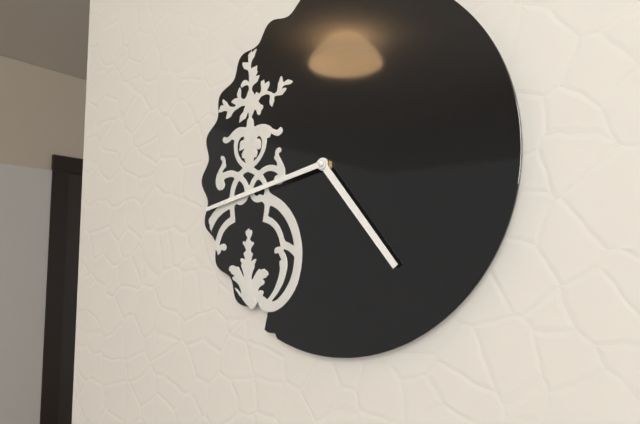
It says 4:43
